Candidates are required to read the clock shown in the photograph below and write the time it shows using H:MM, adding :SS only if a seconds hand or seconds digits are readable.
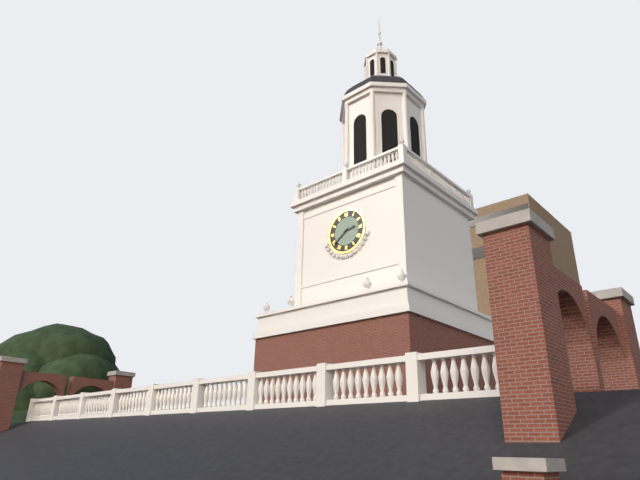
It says 2:39
